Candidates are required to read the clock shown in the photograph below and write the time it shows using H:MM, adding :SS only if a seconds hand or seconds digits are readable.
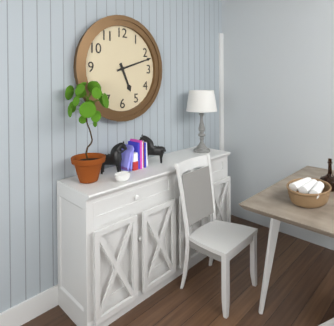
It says 5:12
